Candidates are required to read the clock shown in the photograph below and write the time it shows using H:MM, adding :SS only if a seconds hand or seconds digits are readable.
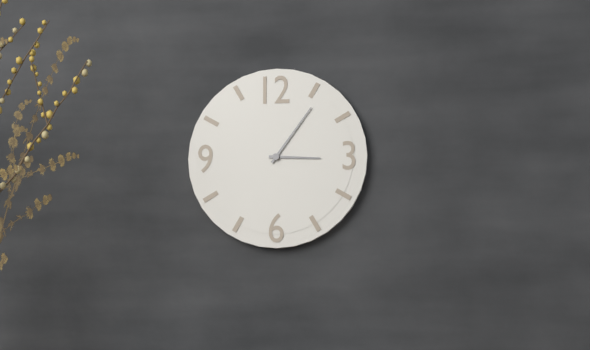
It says 3:06
